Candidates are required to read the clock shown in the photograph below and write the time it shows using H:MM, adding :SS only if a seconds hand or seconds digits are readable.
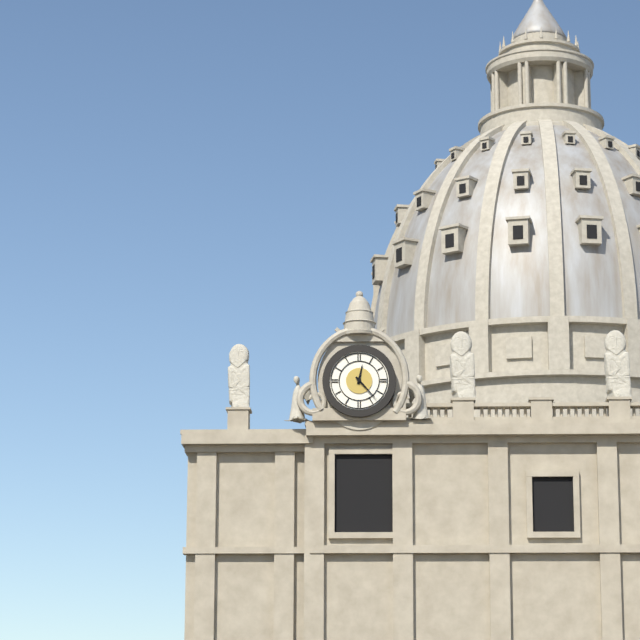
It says 12:23
